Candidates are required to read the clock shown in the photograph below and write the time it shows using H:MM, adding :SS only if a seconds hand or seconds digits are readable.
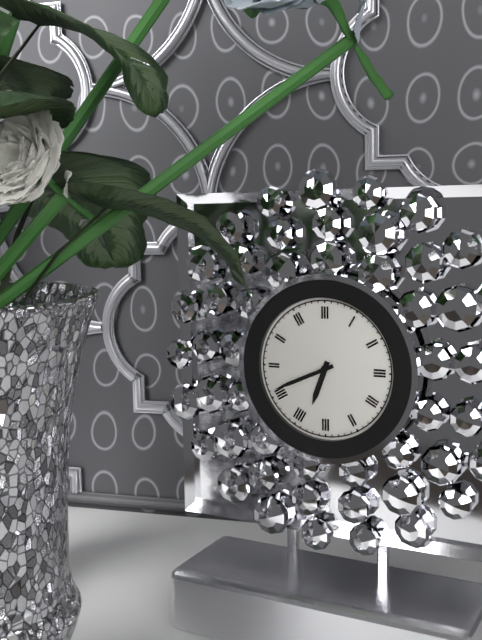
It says 6:41
